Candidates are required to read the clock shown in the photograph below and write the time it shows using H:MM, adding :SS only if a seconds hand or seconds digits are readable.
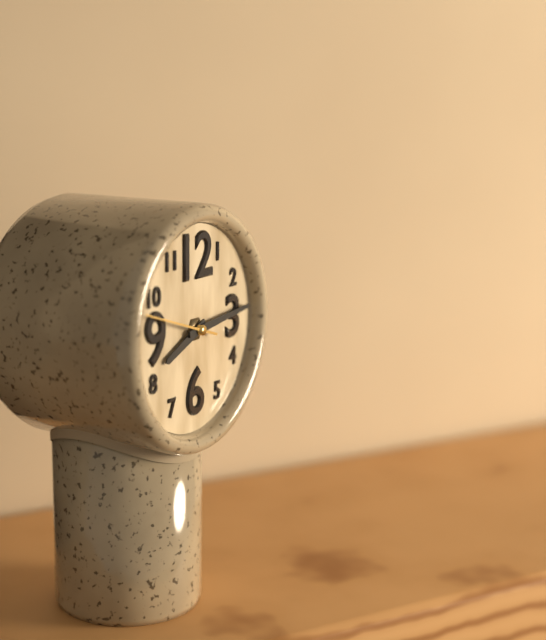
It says 8:14:48
